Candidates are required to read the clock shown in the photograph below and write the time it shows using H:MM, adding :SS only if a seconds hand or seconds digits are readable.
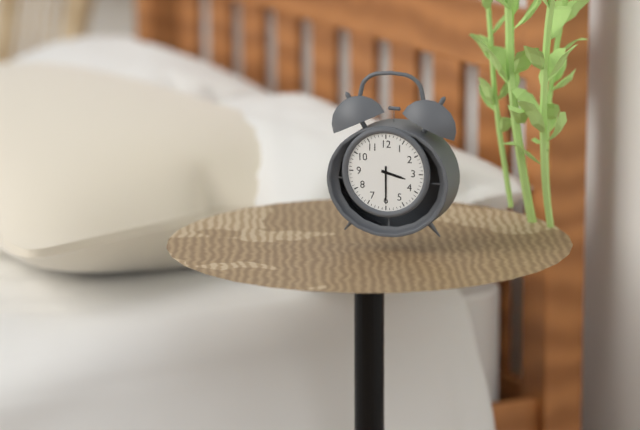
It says 3:30
